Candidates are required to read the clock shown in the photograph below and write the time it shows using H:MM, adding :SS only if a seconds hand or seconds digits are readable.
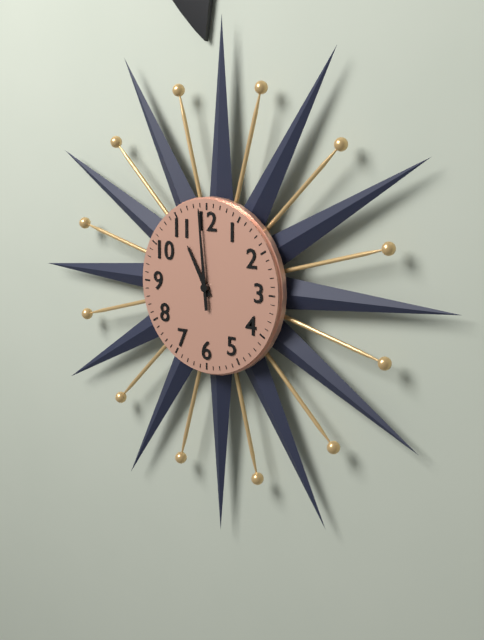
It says 10:59
